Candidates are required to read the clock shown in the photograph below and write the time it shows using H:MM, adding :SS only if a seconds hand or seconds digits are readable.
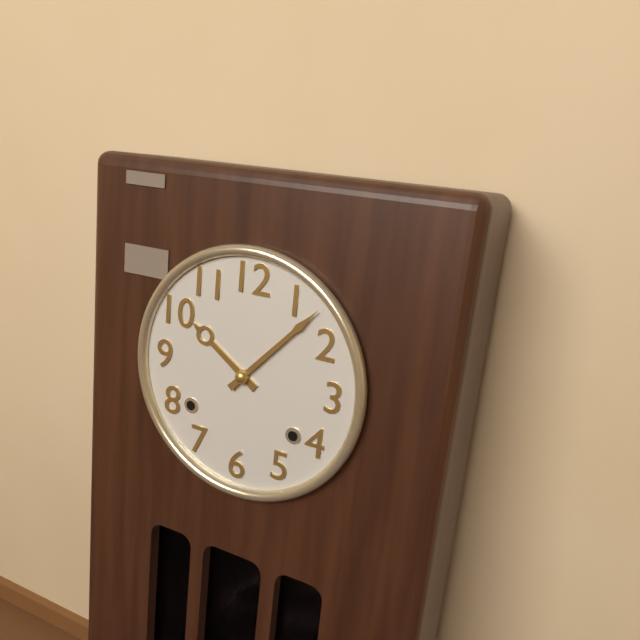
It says 10:07
